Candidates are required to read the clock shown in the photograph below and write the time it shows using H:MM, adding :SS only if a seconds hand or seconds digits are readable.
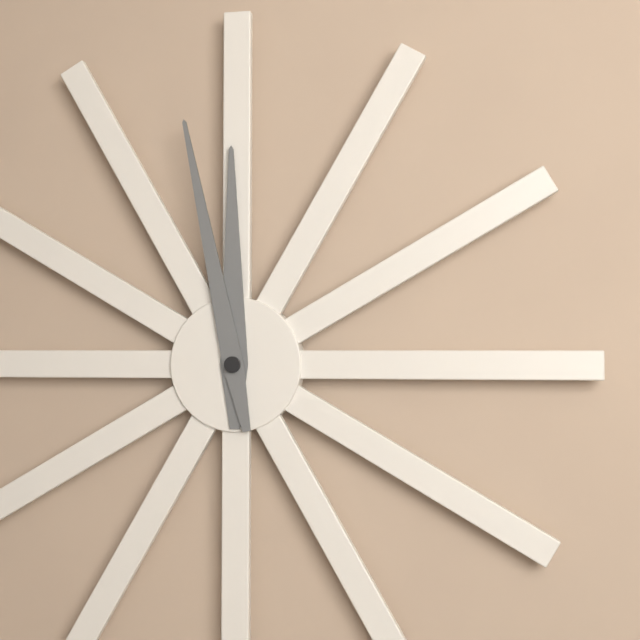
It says 11:58
